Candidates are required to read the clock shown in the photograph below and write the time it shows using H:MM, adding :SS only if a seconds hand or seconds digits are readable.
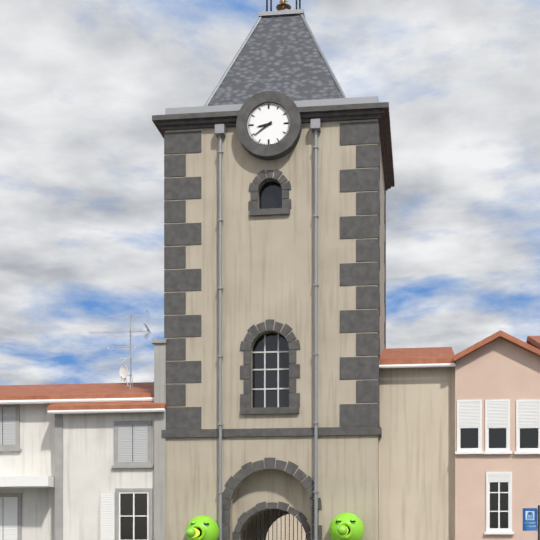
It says 8:39
